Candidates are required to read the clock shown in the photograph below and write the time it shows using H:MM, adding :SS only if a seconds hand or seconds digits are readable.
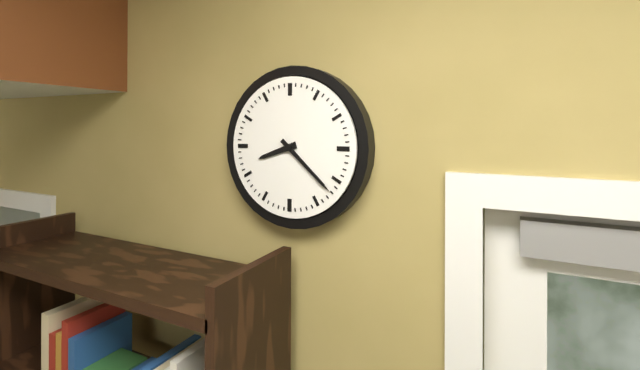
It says 8:22
